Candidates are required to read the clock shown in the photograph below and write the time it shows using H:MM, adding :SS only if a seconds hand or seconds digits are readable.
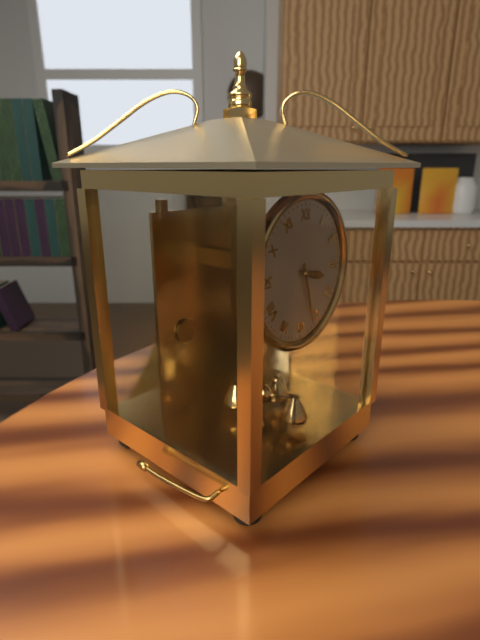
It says 3:27
